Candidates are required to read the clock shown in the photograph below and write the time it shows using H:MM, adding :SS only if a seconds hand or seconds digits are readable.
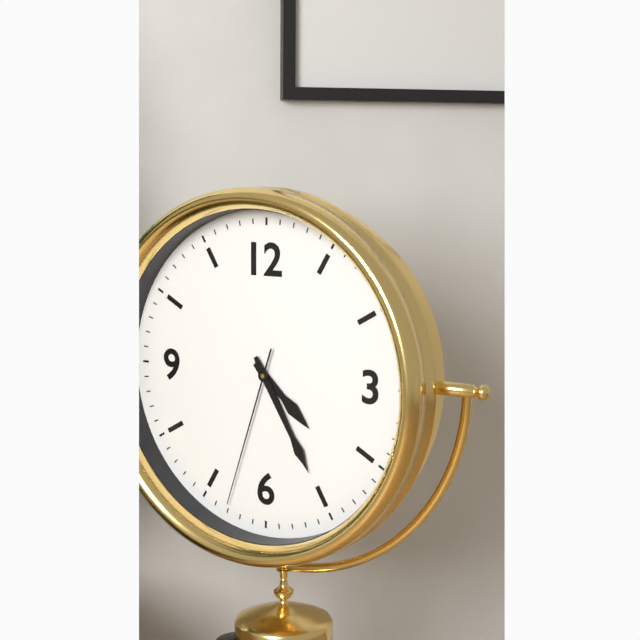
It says 4:25:33
